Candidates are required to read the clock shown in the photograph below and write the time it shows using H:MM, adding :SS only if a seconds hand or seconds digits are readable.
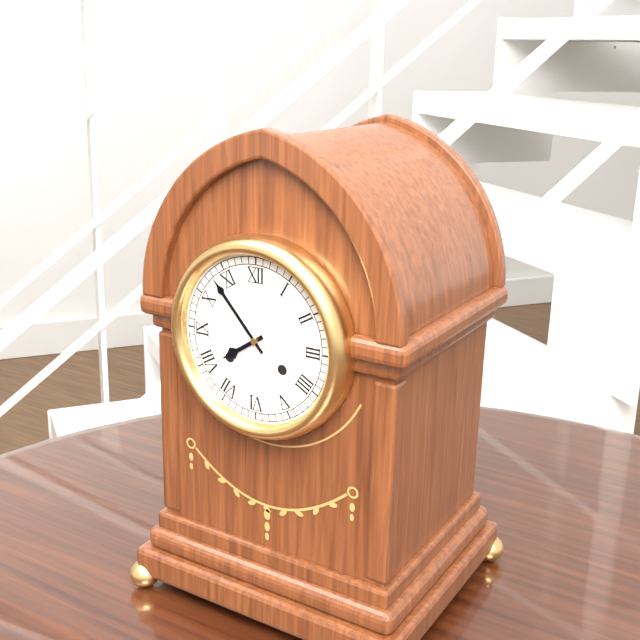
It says 7:53
